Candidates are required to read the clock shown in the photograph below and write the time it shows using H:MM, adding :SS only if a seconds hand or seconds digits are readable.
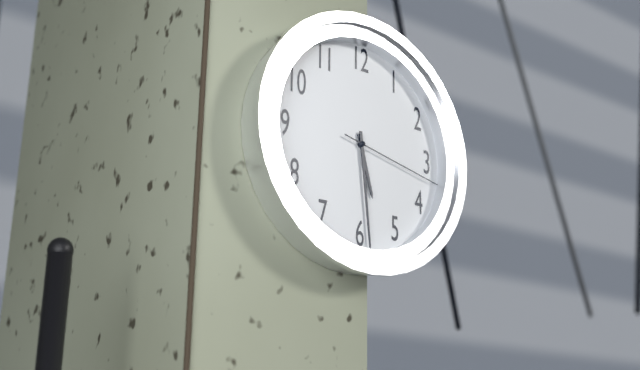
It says 5:29:17
